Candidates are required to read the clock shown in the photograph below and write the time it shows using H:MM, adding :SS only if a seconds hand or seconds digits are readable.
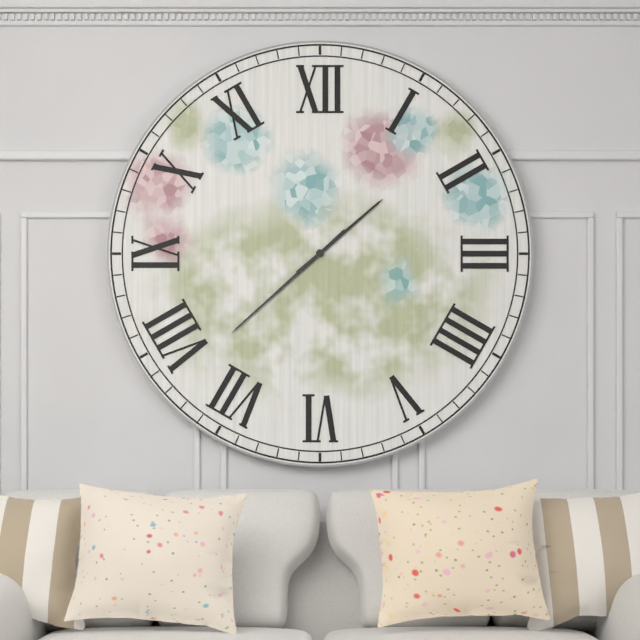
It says 1:38
